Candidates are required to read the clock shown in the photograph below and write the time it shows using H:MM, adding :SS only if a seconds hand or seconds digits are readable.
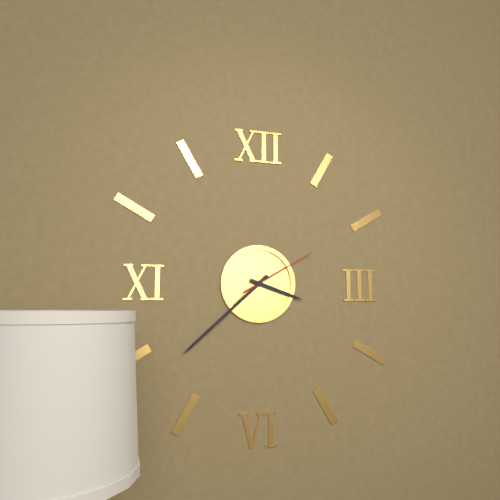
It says 3:38:10
